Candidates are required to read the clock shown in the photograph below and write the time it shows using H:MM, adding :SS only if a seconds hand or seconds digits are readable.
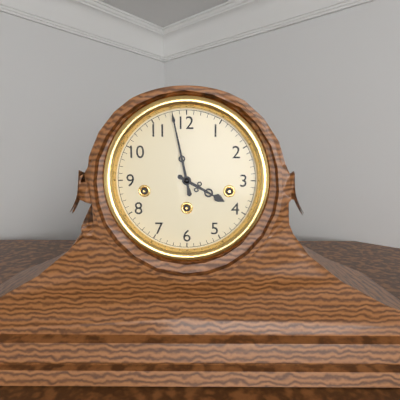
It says 3:58
